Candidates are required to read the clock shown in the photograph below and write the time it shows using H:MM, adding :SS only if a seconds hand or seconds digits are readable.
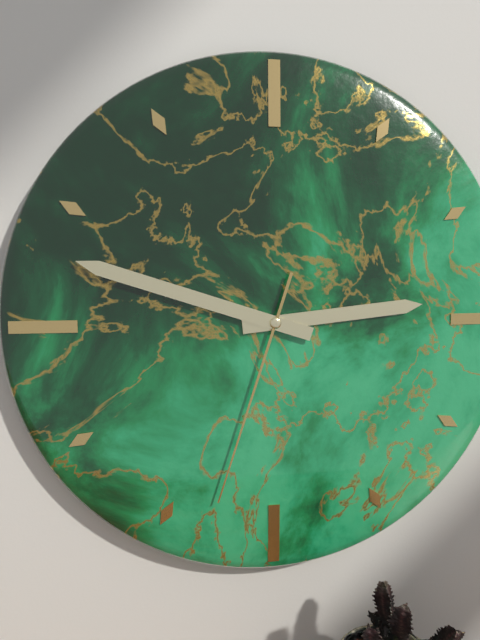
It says 2:48:33
